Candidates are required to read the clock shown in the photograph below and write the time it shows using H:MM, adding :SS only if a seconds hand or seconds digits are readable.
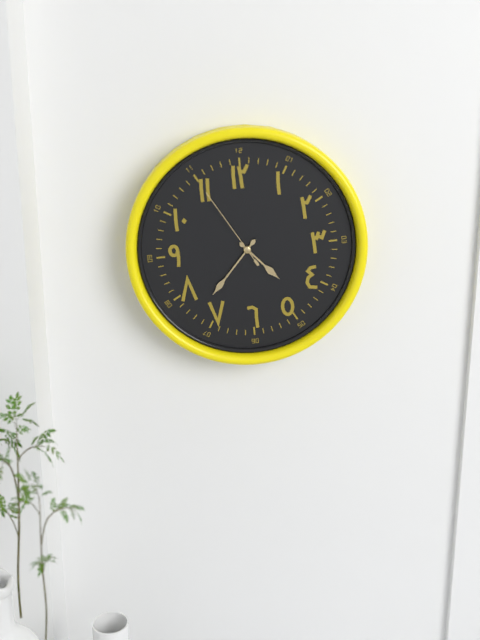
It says 4:37:55
